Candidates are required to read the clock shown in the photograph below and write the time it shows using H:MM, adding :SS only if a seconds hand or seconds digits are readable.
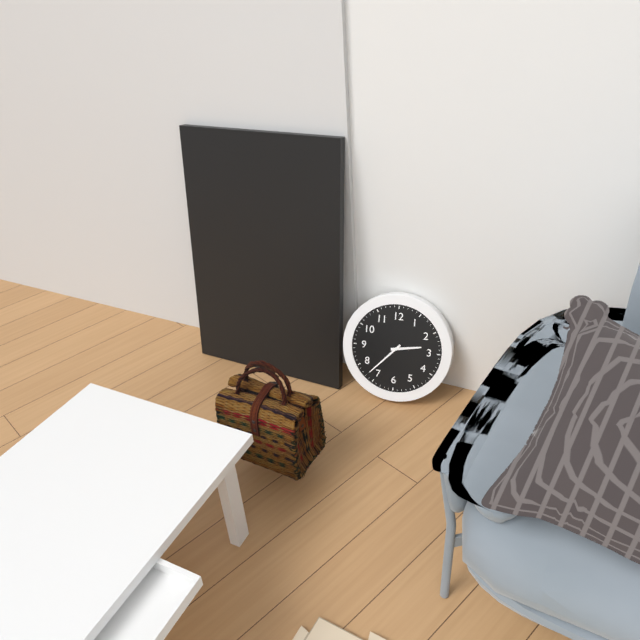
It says 2:37
